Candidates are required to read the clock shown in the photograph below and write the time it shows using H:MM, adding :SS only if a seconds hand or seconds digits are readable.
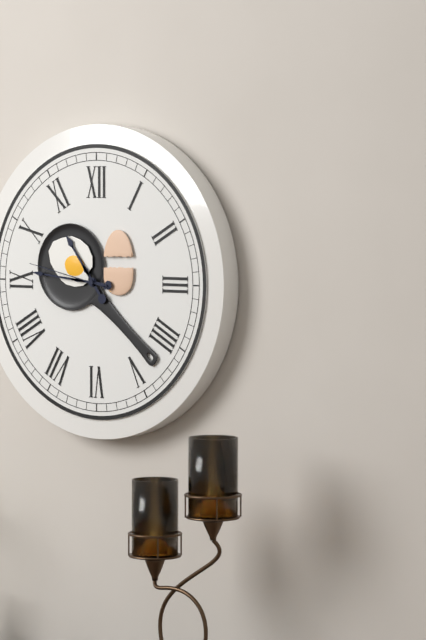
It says 10:46:47
